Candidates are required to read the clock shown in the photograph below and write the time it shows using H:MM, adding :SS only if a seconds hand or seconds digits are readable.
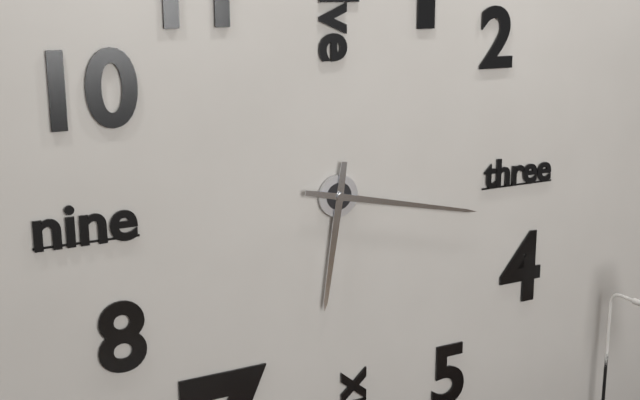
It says 6:17
